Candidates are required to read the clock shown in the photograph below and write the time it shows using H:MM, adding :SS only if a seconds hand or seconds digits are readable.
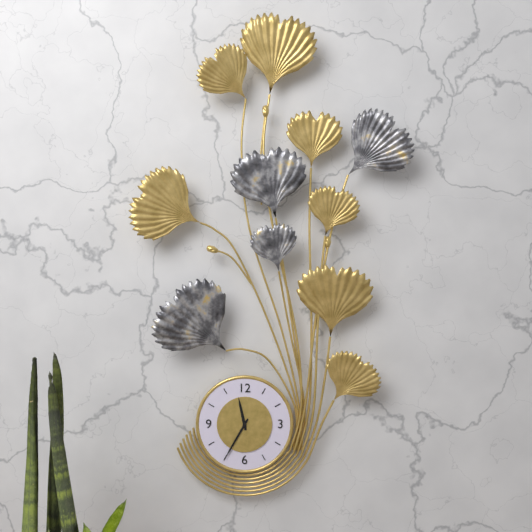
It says 11:35
